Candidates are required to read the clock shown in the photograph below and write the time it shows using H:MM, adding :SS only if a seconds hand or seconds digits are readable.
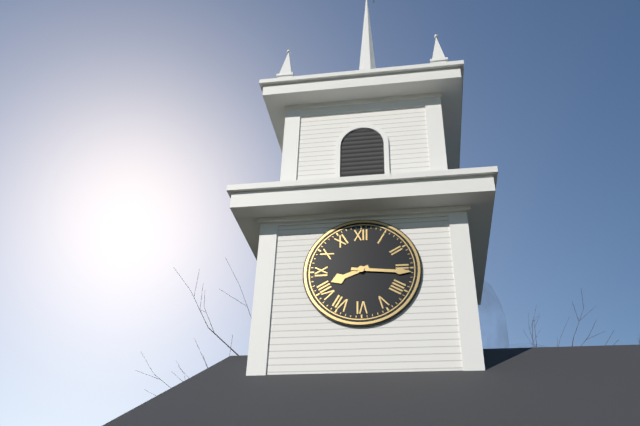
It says 8:16
